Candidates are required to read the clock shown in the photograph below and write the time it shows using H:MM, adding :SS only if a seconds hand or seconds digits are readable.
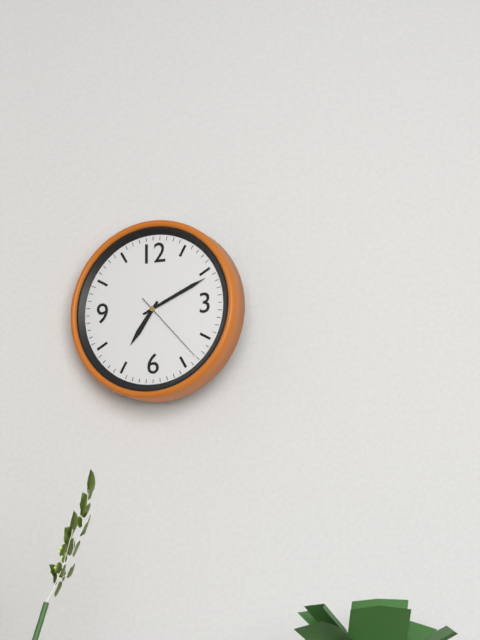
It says 7:11:23
